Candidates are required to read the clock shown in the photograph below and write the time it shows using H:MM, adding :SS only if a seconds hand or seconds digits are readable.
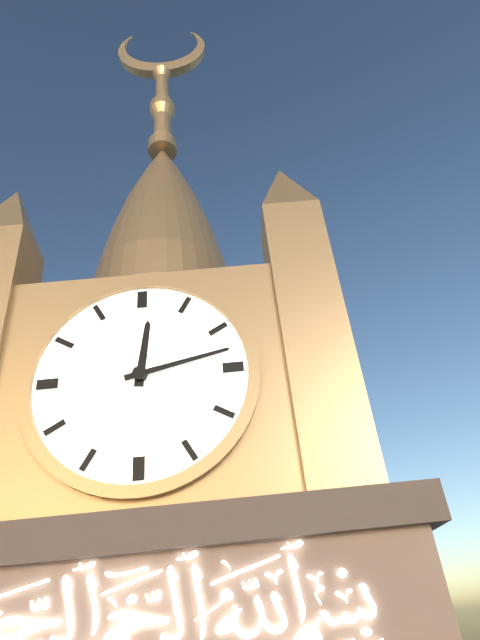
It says 12:13
